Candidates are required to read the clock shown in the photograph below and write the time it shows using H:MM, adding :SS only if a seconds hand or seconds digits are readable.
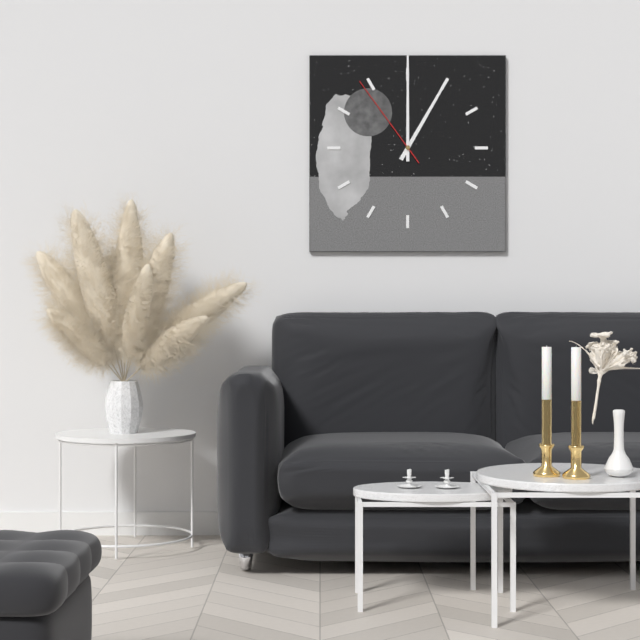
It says 1:00:54
